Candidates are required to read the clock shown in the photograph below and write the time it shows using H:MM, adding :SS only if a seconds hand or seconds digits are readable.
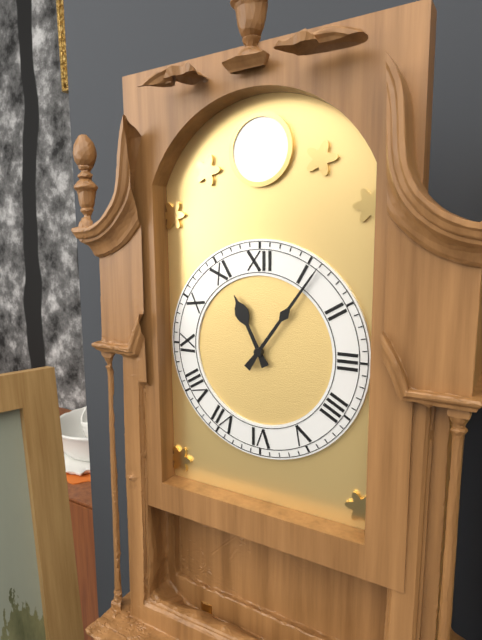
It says 11:06
